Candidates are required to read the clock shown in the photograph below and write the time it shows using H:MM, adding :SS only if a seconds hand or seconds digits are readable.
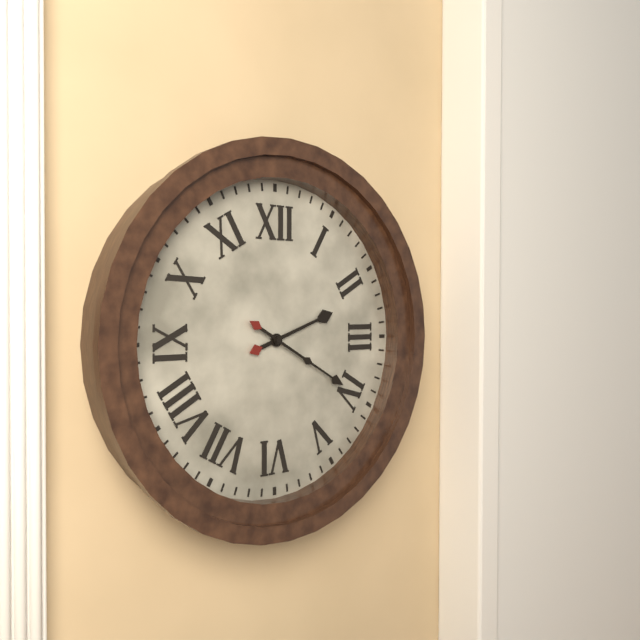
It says 2:20
